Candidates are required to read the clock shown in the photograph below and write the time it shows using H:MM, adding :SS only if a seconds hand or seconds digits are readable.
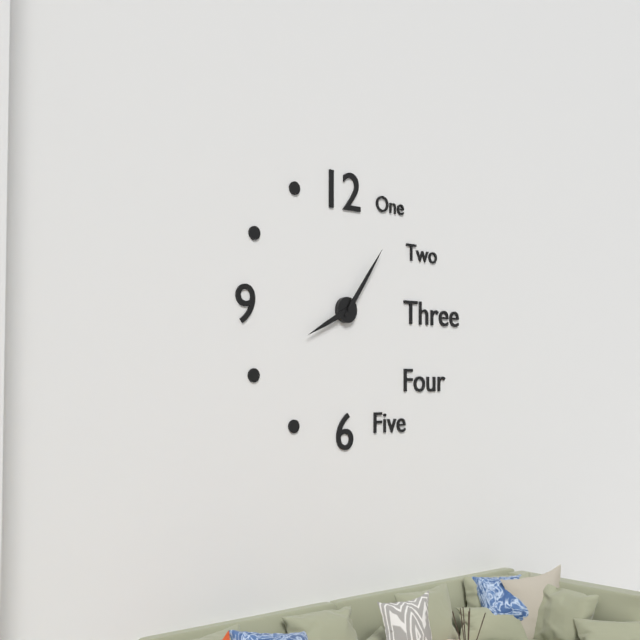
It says 8:06
